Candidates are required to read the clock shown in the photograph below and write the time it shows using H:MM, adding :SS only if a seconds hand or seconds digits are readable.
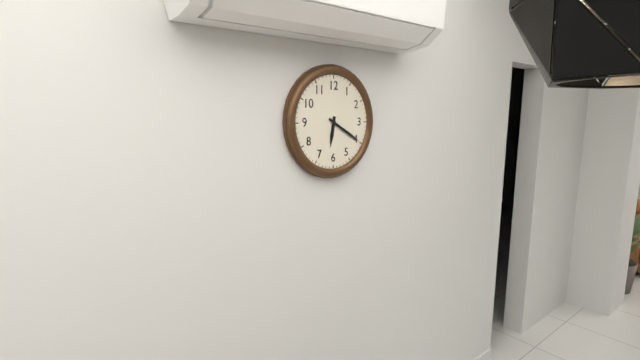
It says 6:20
